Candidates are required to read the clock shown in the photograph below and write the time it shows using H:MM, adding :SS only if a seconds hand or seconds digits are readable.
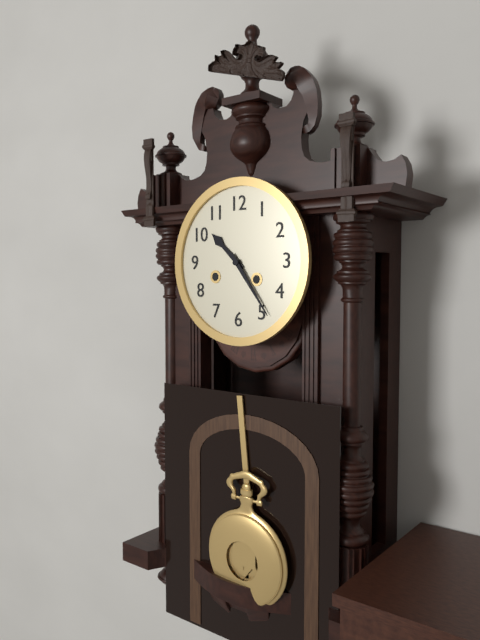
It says 10:24
